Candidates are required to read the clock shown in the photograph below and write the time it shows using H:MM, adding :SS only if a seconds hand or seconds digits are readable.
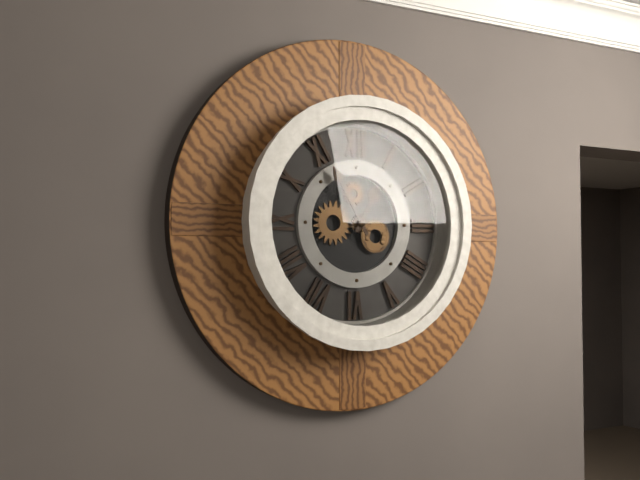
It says 12:55
